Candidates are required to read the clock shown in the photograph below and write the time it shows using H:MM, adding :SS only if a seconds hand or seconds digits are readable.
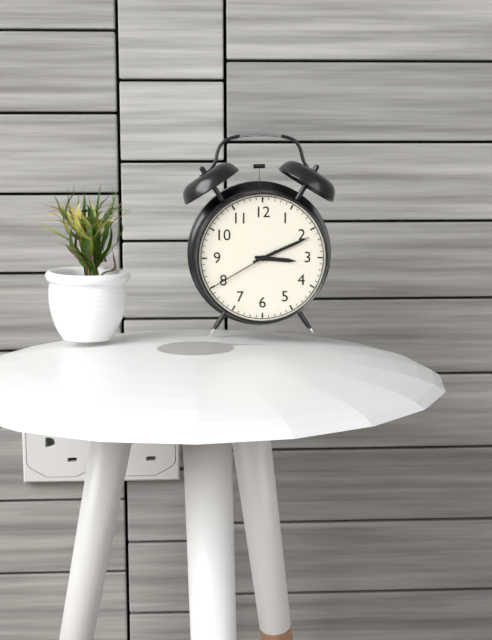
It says 3:11:40
